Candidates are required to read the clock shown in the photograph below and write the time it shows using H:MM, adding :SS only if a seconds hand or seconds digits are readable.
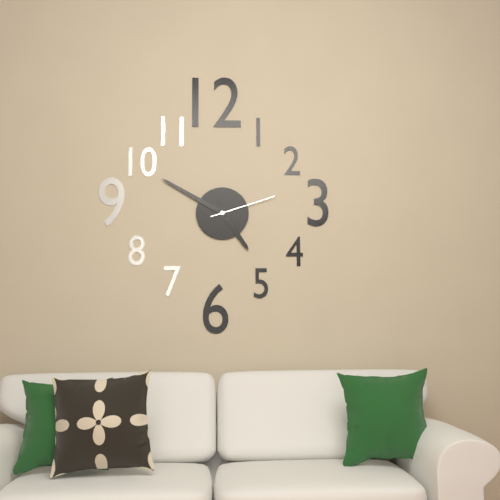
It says 4:50:12
